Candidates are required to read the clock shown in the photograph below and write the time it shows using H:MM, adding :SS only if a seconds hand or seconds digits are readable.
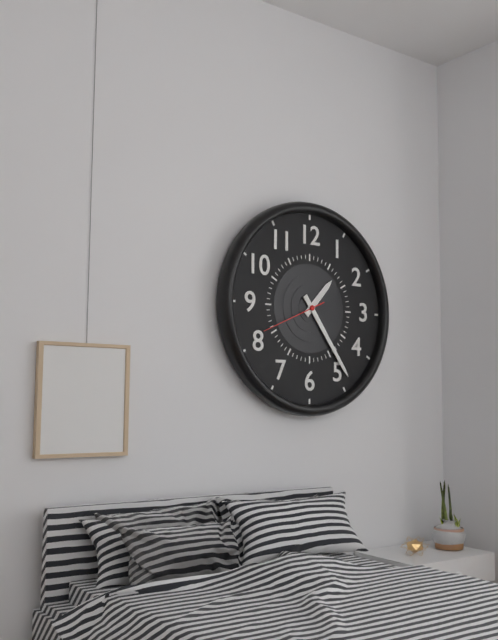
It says 1:24:41
